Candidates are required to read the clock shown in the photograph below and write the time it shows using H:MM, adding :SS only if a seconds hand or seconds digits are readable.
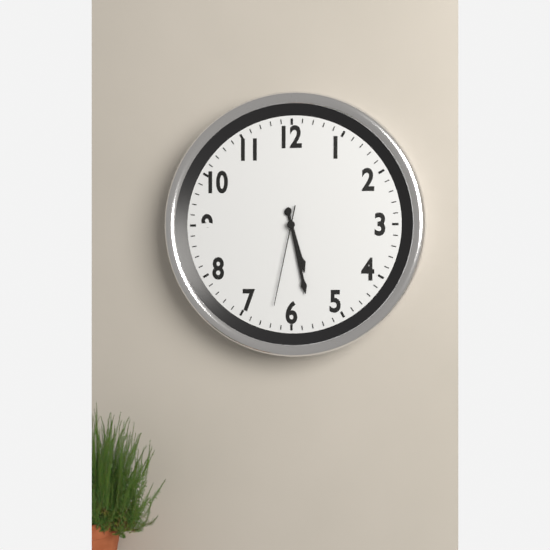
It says 5:28:32
